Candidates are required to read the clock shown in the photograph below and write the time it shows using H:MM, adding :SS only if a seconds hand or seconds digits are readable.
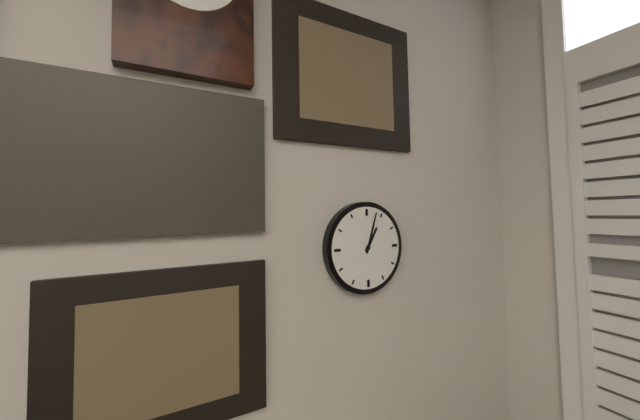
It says 1:03
